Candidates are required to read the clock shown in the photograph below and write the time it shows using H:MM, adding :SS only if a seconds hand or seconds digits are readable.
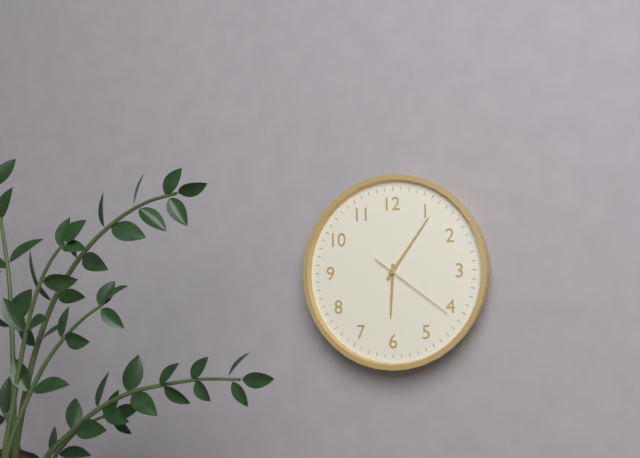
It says 6:06:21
